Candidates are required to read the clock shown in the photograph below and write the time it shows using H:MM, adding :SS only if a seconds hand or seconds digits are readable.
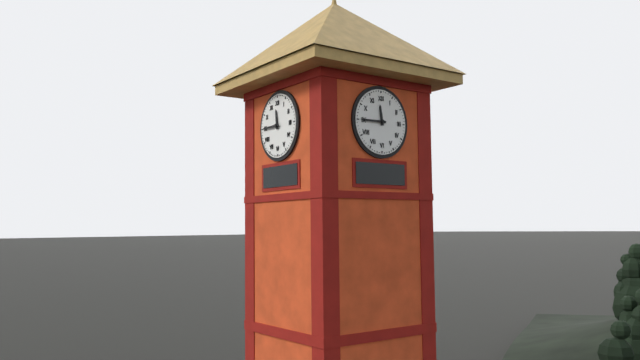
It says 11:45
